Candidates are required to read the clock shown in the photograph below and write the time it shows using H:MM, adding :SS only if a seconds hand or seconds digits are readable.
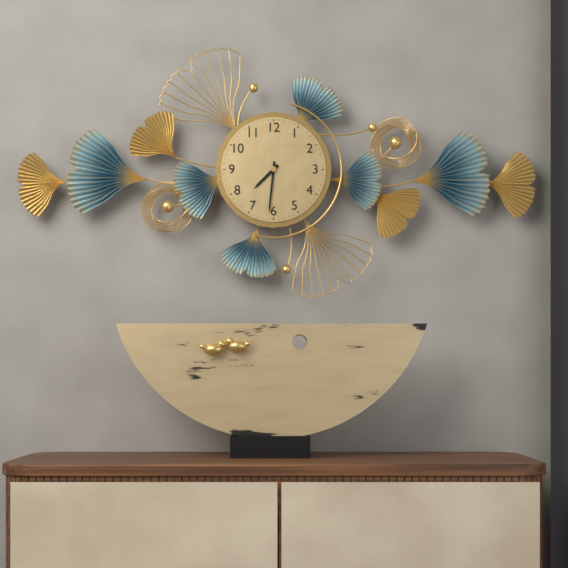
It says 7:31
